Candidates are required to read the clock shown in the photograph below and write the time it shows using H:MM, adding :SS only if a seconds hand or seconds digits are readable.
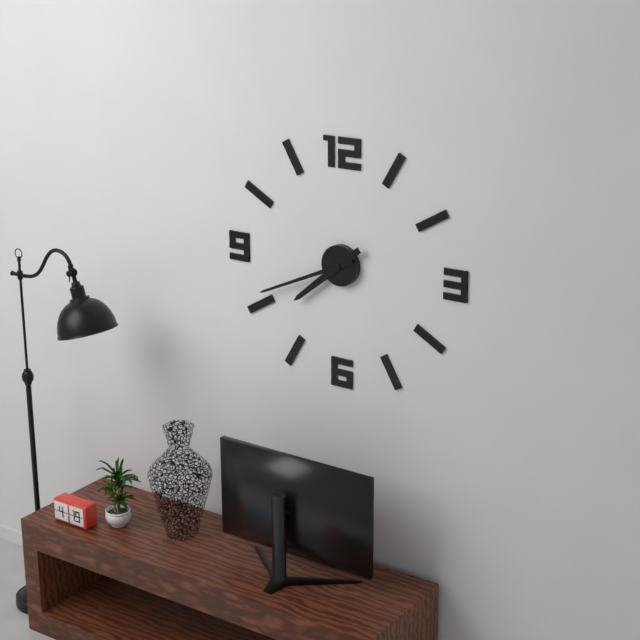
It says 7:41
